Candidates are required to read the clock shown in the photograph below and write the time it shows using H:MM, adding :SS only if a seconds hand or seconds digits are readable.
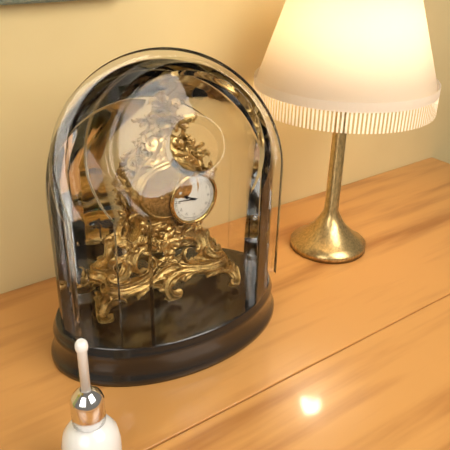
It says 9:46
